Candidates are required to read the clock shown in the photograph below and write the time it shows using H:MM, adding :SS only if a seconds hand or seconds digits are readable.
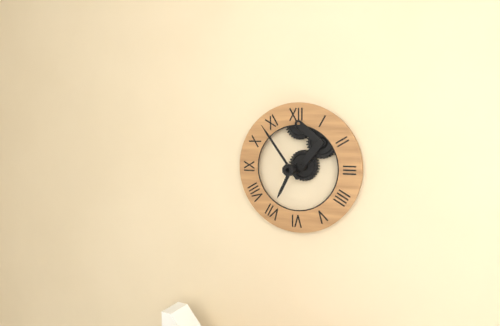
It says 6:54
